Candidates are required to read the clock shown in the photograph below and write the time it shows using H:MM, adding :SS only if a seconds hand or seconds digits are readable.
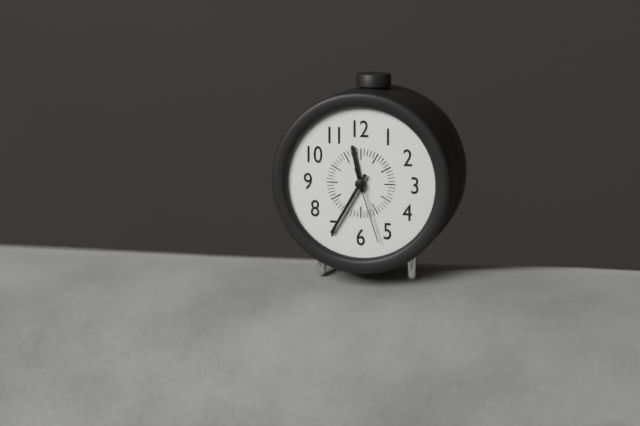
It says 11:35:27
